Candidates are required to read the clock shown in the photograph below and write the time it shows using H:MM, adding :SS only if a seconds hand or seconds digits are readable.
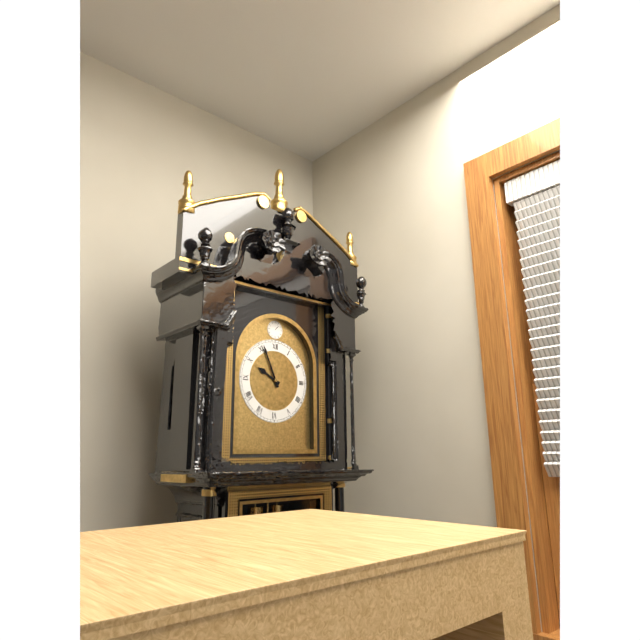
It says 9:56
